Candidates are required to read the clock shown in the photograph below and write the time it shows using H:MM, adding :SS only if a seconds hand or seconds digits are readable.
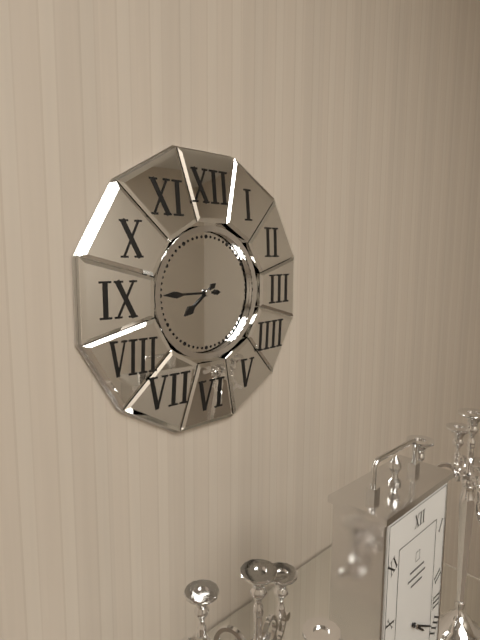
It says 7:45
